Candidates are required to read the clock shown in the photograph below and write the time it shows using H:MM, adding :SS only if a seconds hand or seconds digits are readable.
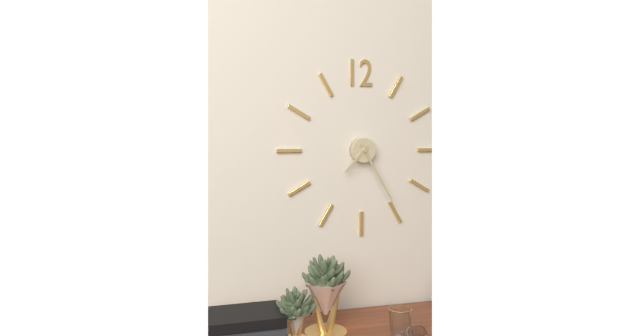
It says 7:25
